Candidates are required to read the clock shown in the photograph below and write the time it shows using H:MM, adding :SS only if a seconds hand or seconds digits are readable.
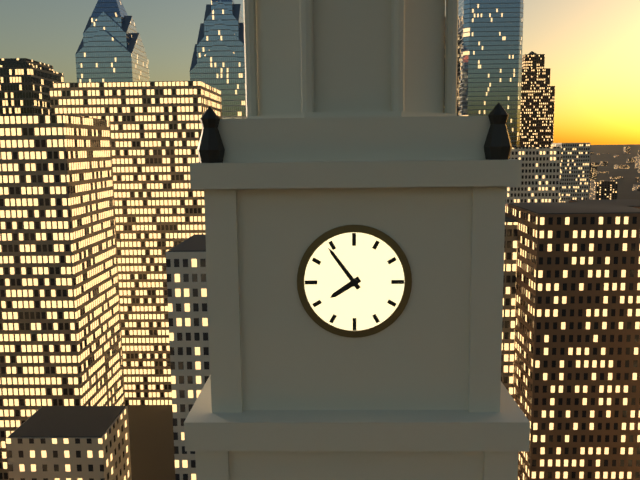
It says 7:54
